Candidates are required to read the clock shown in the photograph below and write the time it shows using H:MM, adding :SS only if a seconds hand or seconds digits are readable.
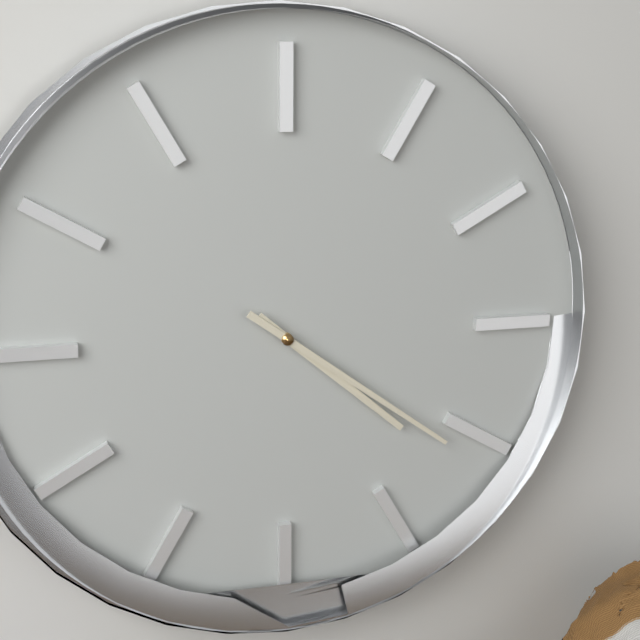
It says 4:21
